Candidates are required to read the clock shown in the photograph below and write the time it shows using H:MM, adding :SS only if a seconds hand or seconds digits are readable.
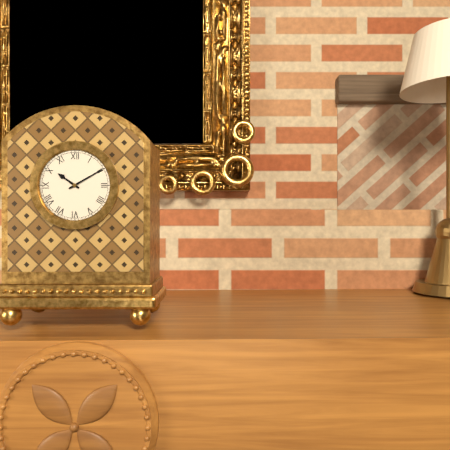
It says 10:10
